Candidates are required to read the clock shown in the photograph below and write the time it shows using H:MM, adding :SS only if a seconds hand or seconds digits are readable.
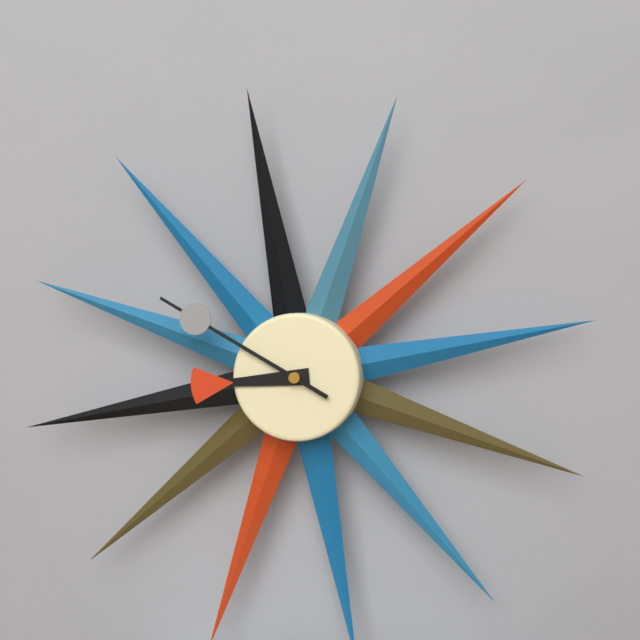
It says 8:50
